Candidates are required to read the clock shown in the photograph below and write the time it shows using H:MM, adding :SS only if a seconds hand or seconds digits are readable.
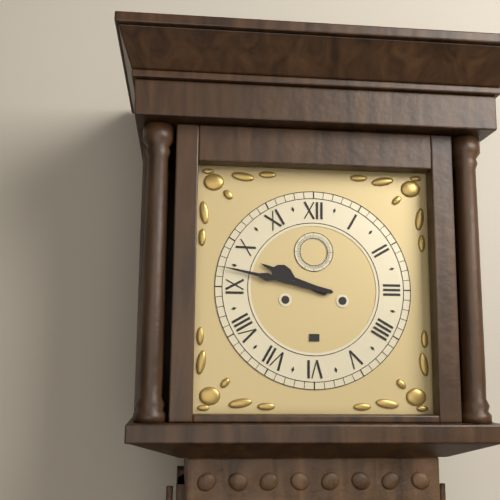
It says 9:47
